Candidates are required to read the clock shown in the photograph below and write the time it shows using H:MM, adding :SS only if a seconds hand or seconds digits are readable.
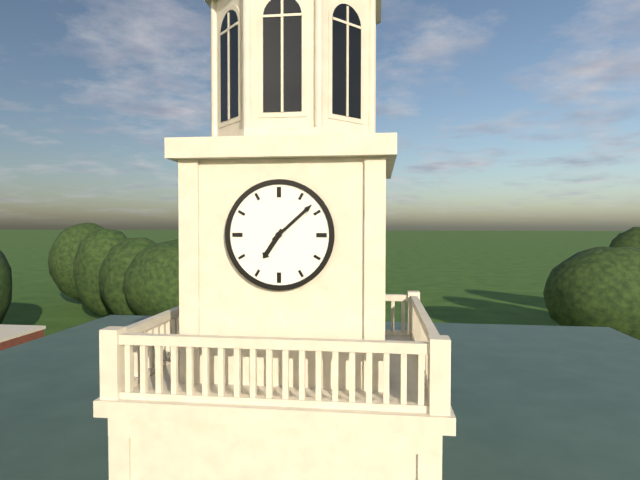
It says 7:08
